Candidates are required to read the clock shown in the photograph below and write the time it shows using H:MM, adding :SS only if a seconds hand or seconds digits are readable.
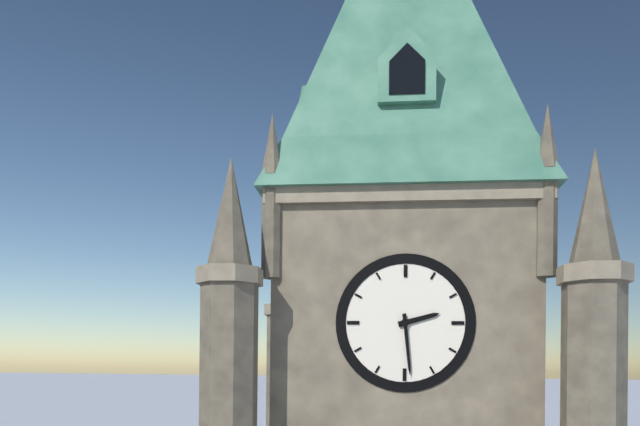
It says 2:29
